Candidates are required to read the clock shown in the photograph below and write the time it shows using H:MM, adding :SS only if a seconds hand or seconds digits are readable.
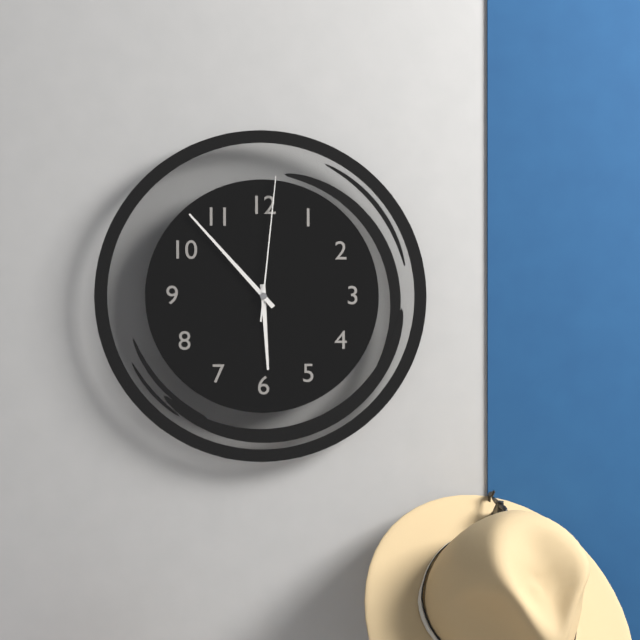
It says 5:53:01
